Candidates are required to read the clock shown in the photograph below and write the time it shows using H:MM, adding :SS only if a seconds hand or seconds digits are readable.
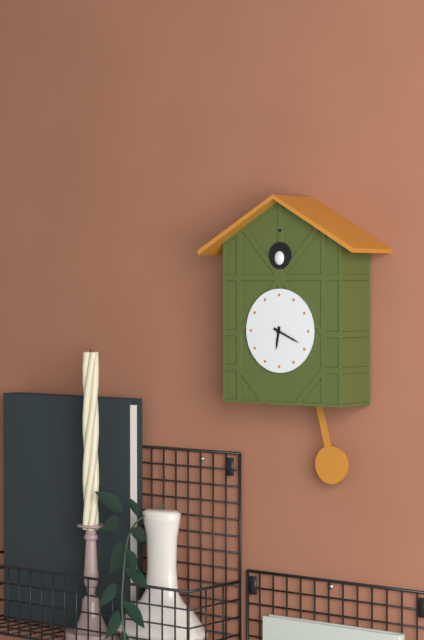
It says 6:19
